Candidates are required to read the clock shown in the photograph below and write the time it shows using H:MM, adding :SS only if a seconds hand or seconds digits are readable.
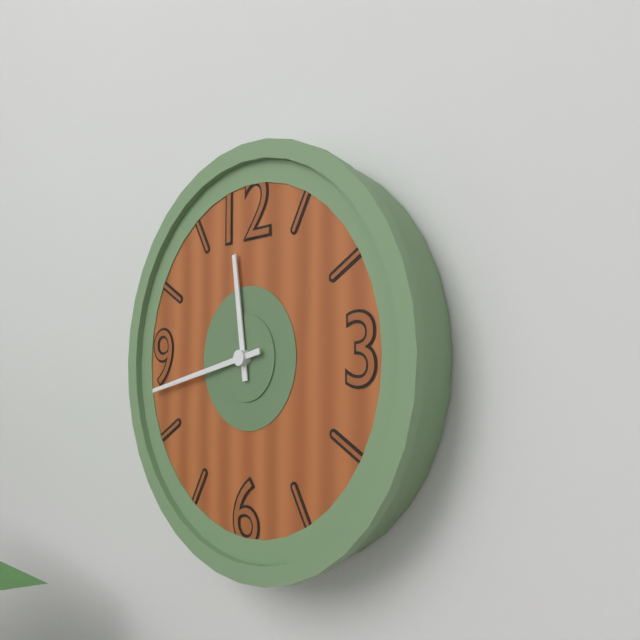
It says 11:43
